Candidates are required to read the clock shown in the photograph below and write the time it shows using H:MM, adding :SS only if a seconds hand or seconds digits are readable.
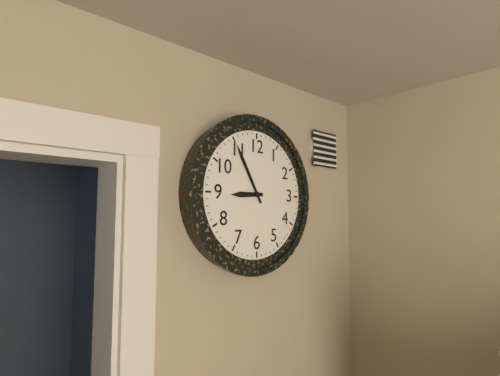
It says 8:55
